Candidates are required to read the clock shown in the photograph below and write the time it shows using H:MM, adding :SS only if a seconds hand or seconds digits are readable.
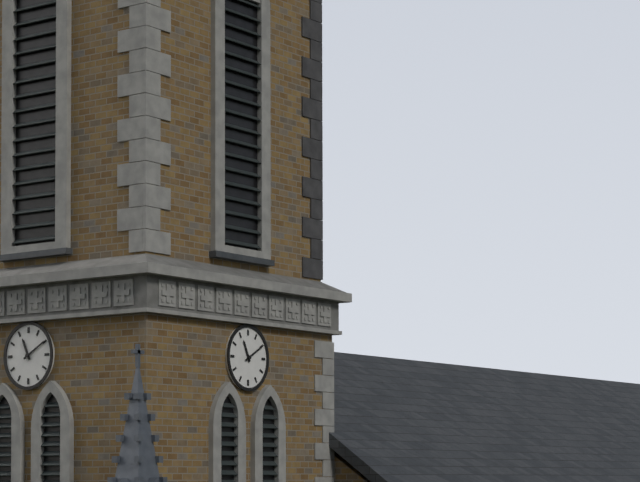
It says 11:10
